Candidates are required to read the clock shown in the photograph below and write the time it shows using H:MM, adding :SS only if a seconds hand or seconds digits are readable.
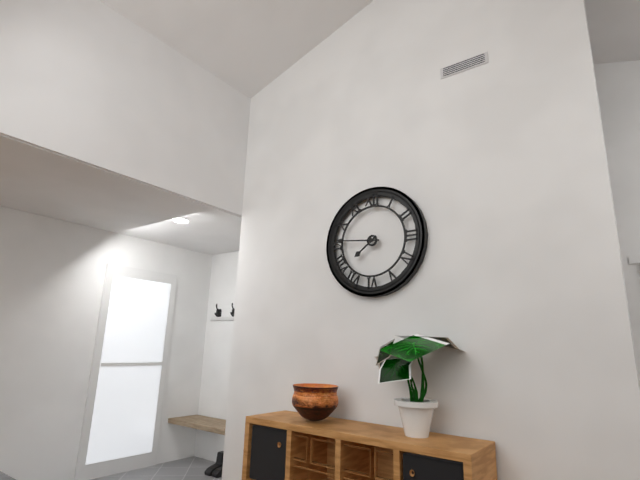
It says 7:46
